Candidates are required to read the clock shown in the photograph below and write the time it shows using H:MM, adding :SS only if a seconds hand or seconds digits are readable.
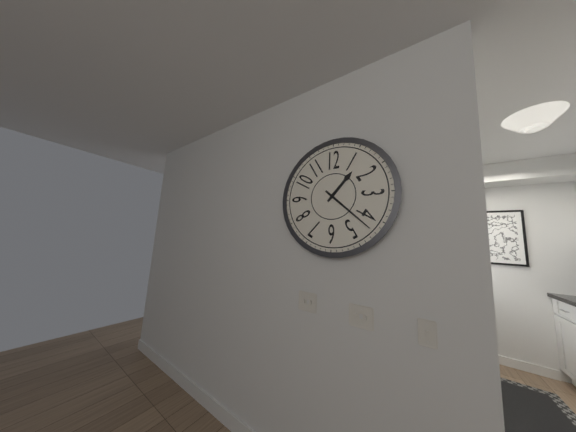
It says 1:22
